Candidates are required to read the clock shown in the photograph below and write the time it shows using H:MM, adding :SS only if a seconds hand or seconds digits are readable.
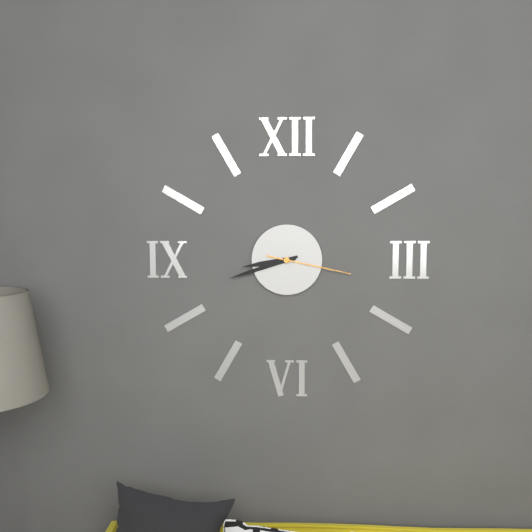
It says 8:42:17
